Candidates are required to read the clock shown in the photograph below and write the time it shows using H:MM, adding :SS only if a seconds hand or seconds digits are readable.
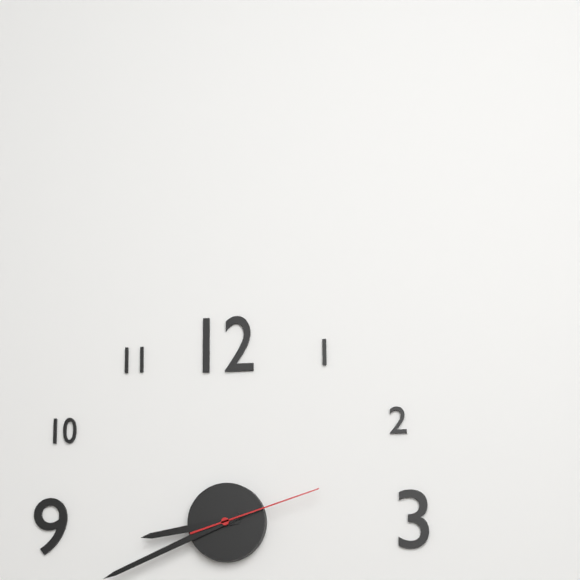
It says 8:41:12
